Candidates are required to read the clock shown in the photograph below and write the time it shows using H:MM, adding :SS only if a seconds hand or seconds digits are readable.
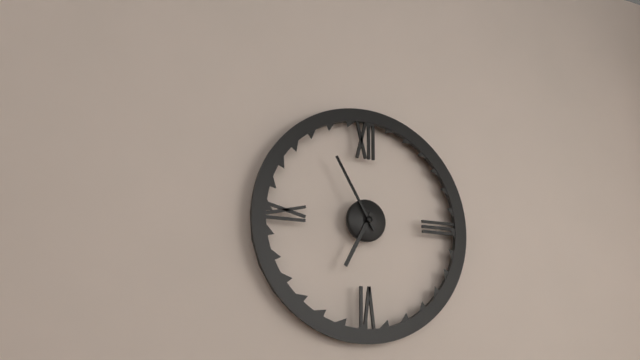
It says 6:55
